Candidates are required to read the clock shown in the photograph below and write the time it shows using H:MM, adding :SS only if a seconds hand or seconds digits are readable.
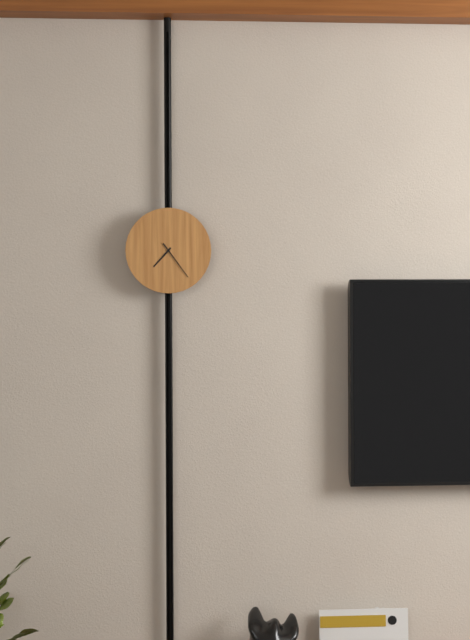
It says 7:24
